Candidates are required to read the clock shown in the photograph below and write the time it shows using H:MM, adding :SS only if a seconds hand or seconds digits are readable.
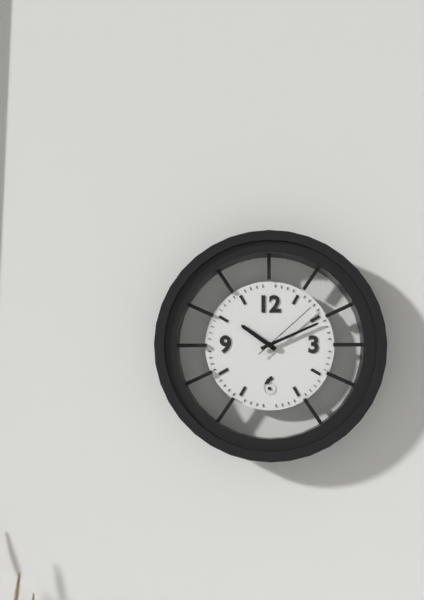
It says 10:11:08
